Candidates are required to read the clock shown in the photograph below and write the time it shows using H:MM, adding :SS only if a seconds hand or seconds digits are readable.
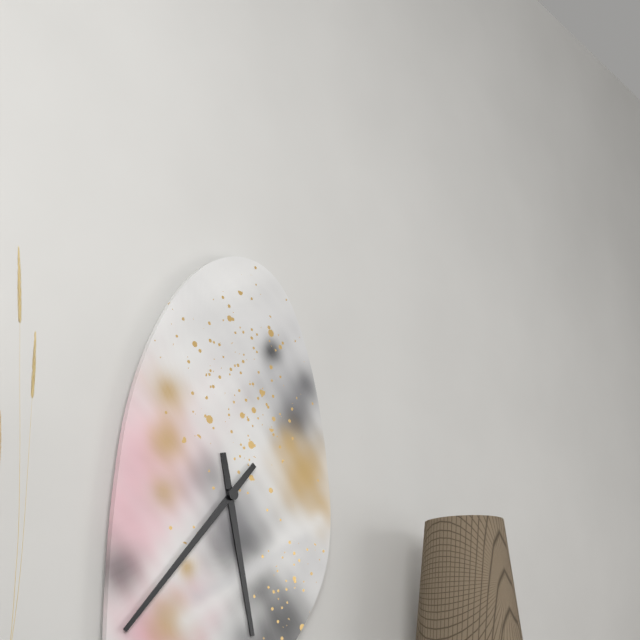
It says 5:37
